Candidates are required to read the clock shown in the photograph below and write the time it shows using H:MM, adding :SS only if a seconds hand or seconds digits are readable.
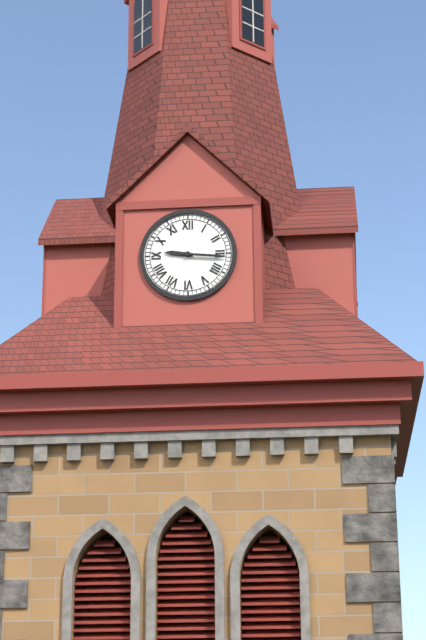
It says 9:16
